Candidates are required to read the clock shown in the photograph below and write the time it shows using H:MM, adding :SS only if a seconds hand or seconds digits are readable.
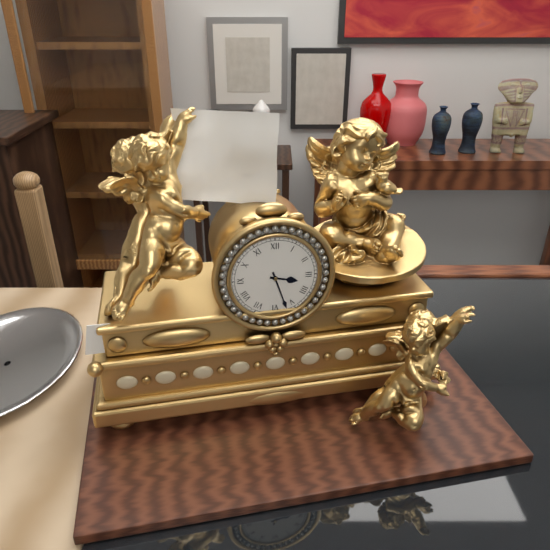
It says 3:27
